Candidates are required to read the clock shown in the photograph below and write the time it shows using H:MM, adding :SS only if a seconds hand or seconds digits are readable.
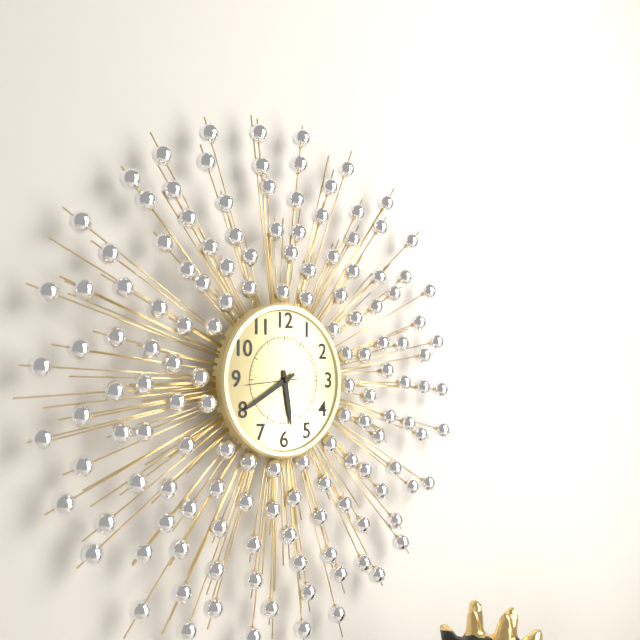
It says 5:40:44
